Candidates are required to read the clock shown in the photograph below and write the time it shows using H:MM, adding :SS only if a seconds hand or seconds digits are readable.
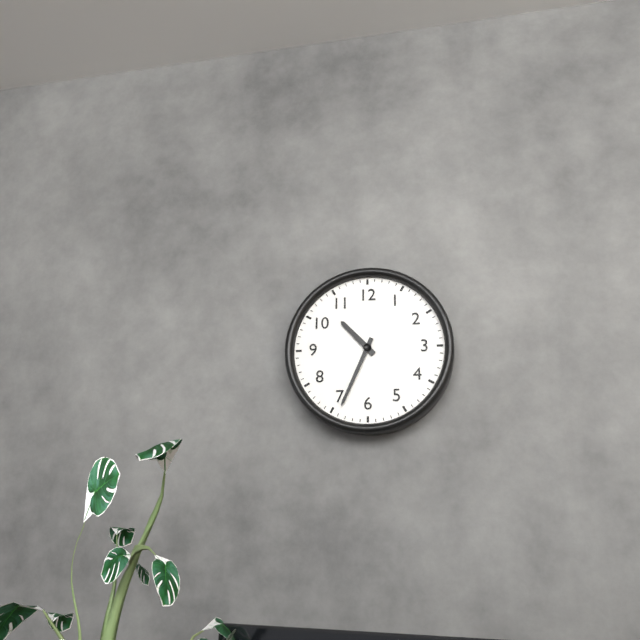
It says 10:34
